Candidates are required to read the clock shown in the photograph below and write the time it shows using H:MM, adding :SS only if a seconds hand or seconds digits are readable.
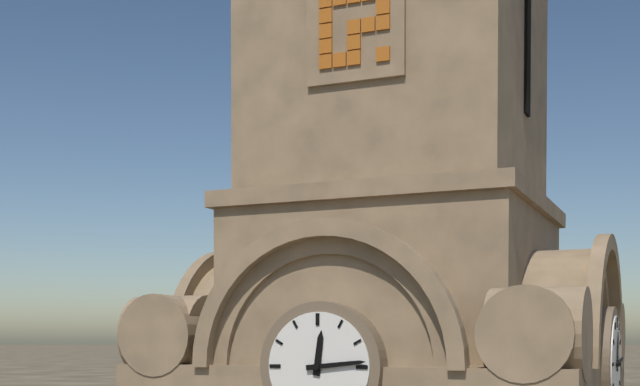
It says 12:14
